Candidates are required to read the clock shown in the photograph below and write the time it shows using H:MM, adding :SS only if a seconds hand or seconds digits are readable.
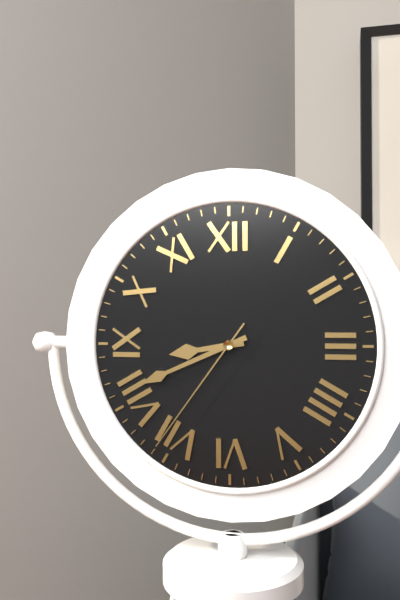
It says 8:41:36
